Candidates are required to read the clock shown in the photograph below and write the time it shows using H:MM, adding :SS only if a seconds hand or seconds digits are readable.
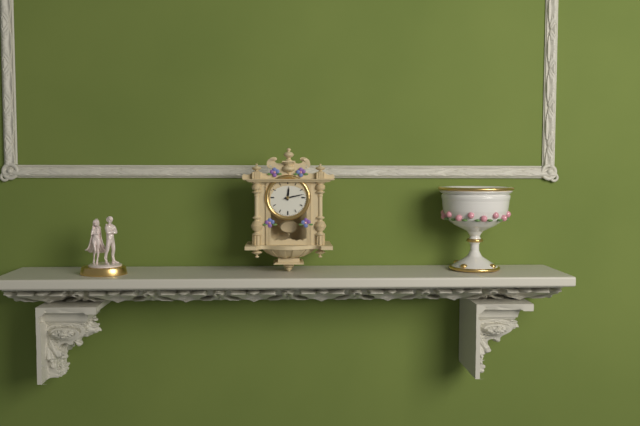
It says 12:13
